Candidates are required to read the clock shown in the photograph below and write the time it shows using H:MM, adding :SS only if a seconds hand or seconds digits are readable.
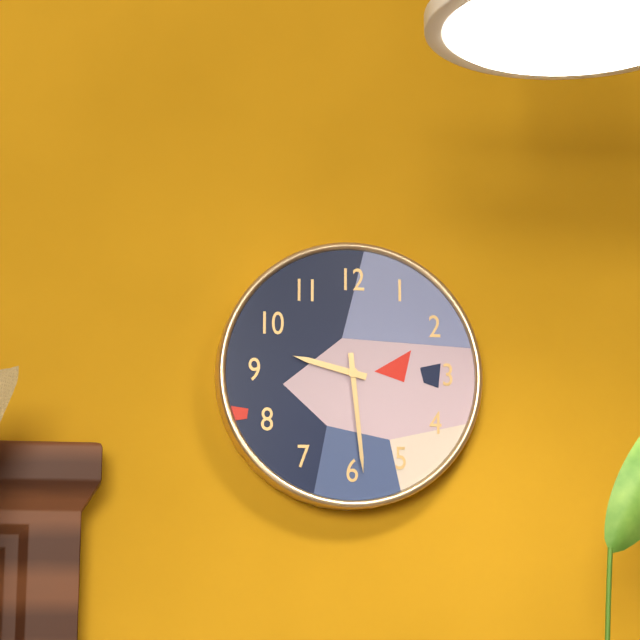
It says 9:29
